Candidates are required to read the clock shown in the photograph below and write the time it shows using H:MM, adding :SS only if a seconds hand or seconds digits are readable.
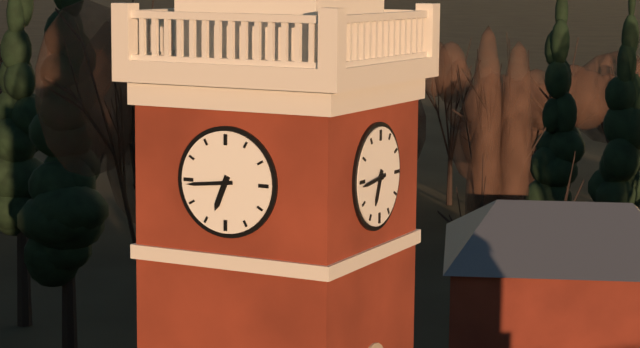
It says 6:44
